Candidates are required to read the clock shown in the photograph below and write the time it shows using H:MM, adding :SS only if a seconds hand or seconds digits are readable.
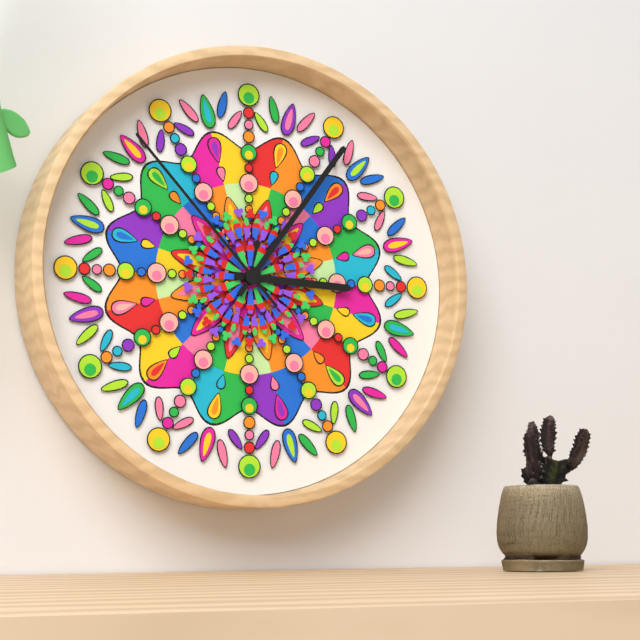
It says 3:06:53
